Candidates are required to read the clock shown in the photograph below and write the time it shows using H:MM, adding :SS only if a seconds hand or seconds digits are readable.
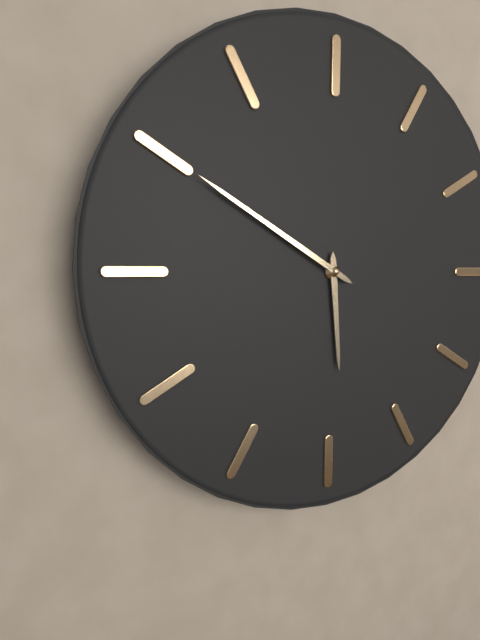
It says 5:50
